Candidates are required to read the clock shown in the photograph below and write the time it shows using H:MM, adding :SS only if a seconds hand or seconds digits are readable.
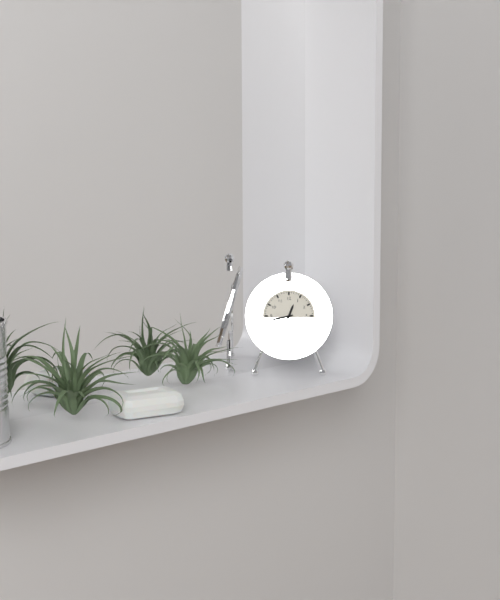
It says 12:43
